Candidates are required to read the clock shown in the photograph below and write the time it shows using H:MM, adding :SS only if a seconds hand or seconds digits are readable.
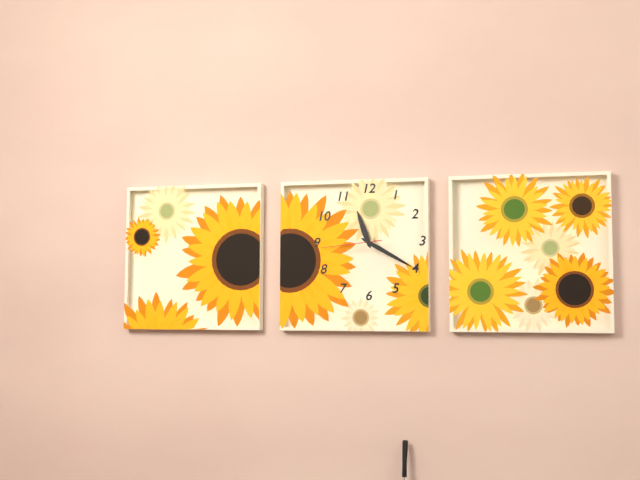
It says 11:20:44
